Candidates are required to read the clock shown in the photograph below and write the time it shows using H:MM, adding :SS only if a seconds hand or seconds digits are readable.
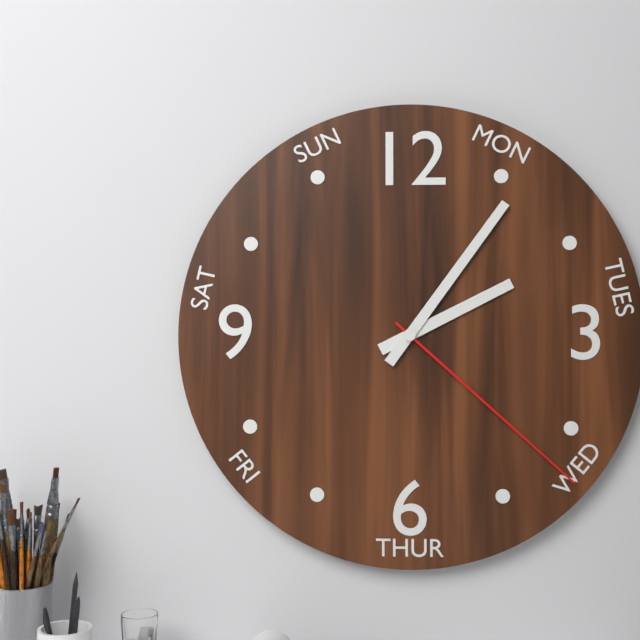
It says 2:06:22
